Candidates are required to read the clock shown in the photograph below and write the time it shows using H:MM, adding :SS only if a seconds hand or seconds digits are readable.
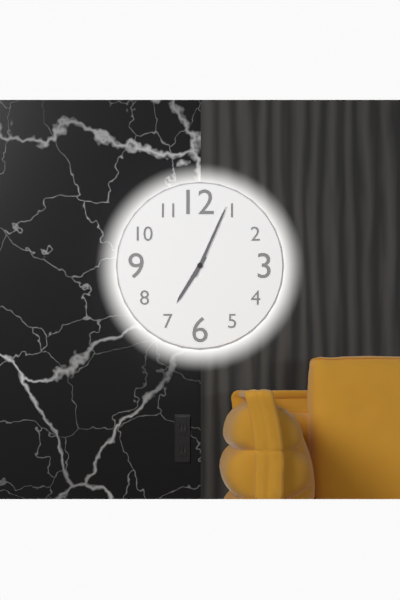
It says 7:04
